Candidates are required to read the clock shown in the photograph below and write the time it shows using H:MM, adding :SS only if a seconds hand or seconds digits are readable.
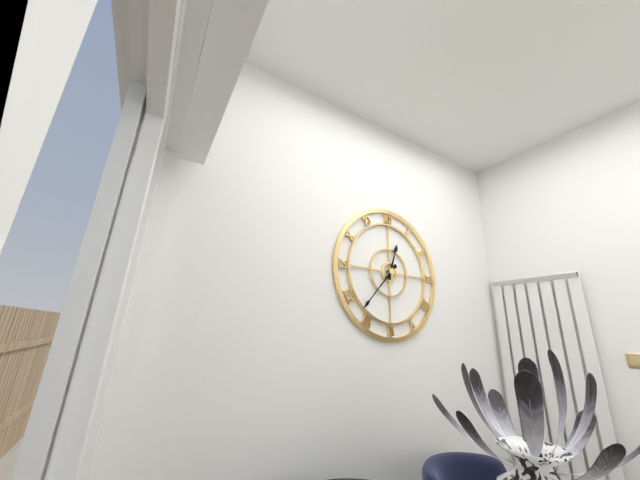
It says 12:37
